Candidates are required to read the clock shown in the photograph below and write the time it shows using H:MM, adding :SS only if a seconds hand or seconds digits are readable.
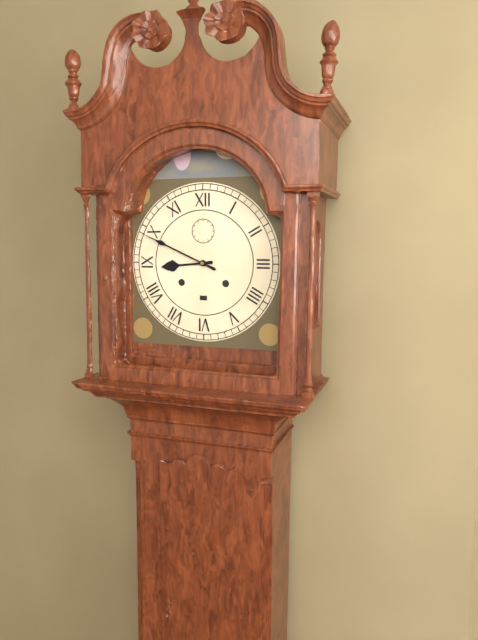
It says 8:49
